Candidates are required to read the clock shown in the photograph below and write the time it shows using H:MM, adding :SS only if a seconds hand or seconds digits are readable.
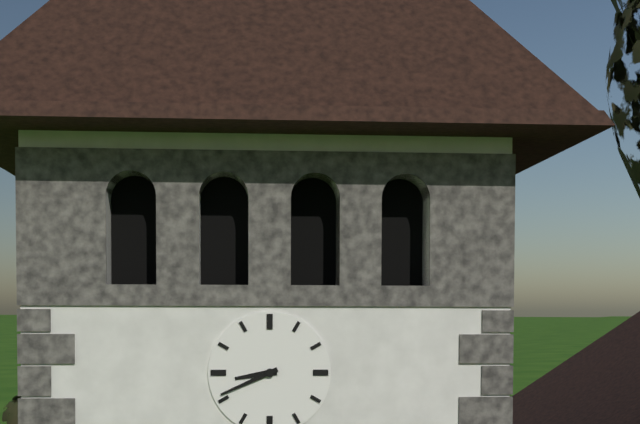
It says 8:41
